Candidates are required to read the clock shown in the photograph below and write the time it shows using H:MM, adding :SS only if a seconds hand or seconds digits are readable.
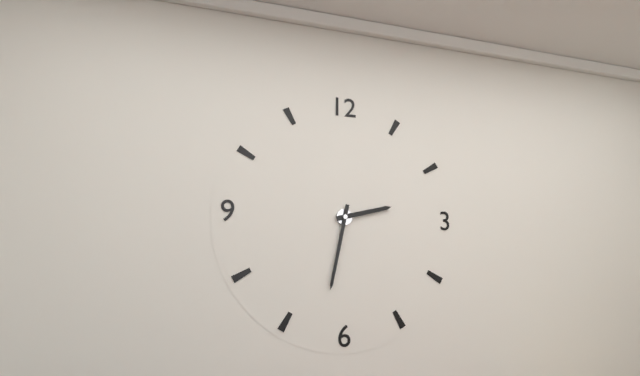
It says 2:32
